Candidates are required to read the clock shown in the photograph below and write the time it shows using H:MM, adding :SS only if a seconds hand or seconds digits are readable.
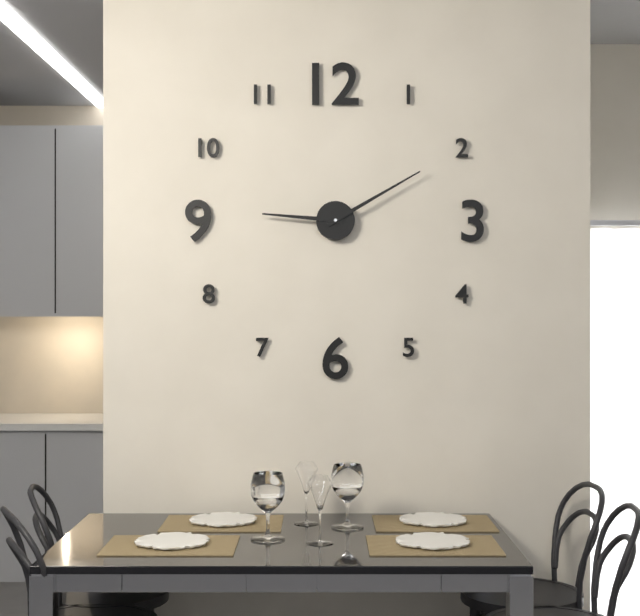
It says 9:10
